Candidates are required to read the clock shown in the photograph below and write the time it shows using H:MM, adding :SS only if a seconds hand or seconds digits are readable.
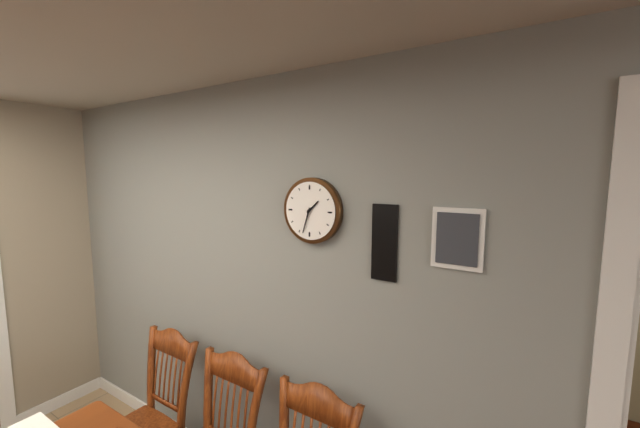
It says 1:33
